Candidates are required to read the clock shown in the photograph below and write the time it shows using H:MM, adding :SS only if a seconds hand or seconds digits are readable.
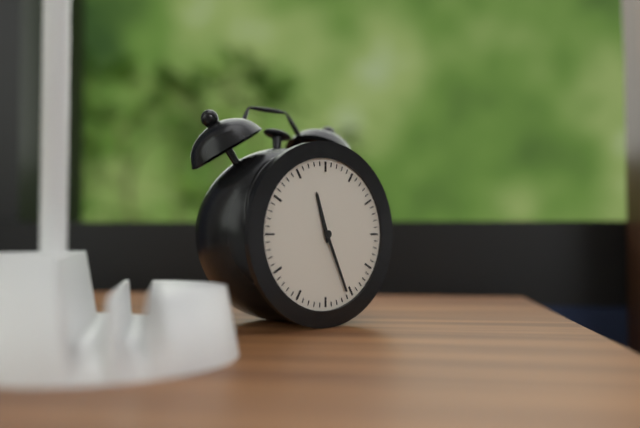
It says 11:26
